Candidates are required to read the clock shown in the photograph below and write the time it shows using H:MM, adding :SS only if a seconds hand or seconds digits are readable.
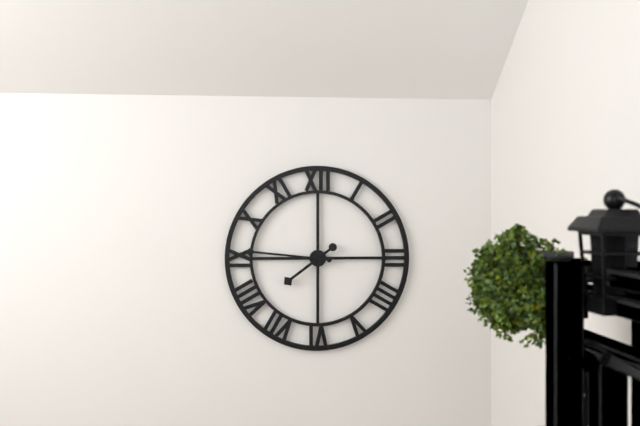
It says 7:46
